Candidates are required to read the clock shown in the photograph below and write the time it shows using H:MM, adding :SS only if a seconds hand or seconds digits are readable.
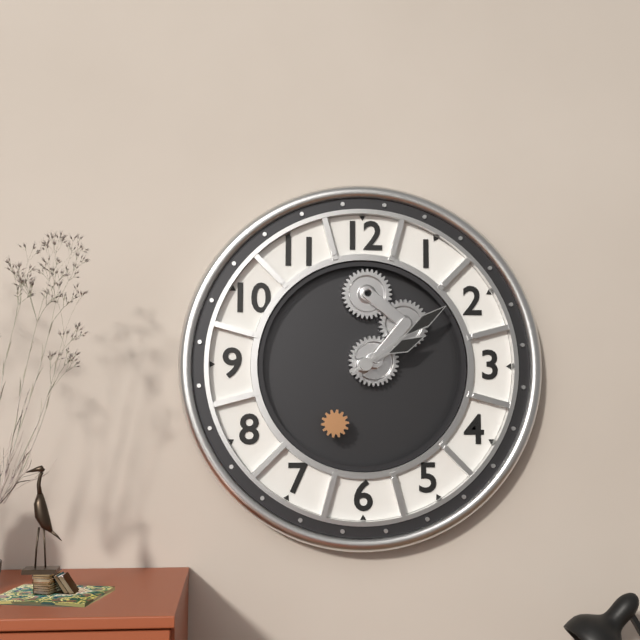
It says 2:09
